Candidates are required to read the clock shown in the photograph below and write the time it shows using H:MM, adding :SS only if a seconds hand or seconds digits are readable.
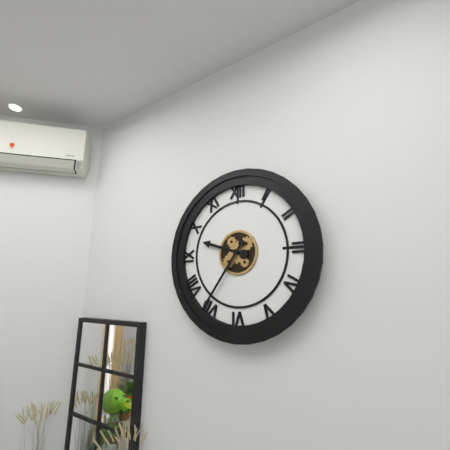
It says 9:36
